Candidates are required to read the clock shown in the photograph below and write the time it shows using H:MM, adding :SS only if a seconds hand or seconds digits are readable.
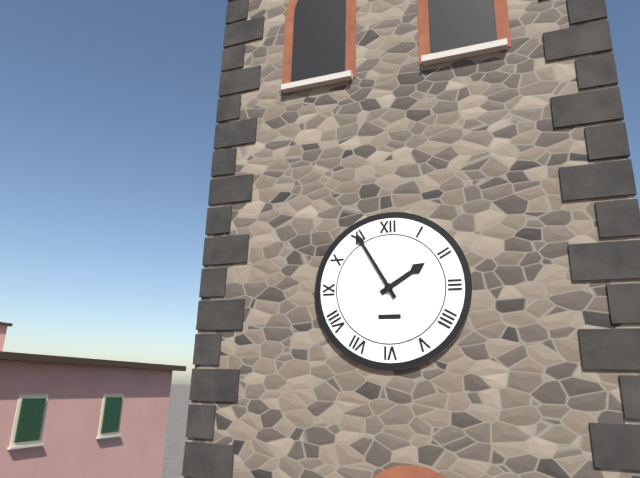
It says 1:55
